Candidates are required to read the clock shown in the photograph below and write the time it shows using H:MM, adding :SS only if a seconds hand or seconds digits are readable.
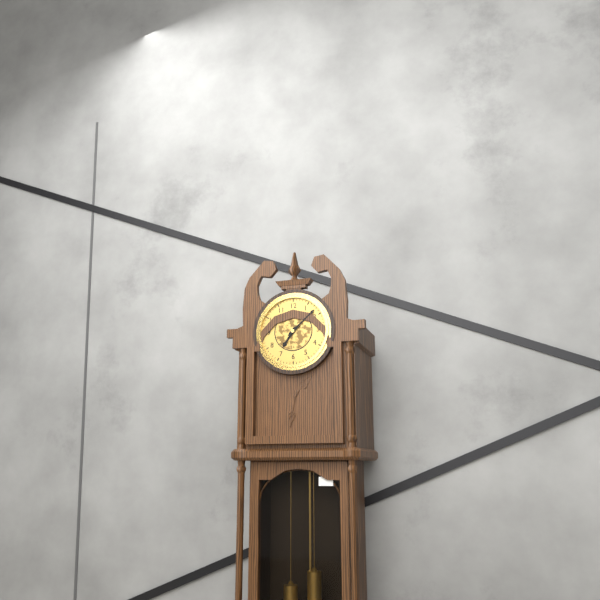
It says 7:08
